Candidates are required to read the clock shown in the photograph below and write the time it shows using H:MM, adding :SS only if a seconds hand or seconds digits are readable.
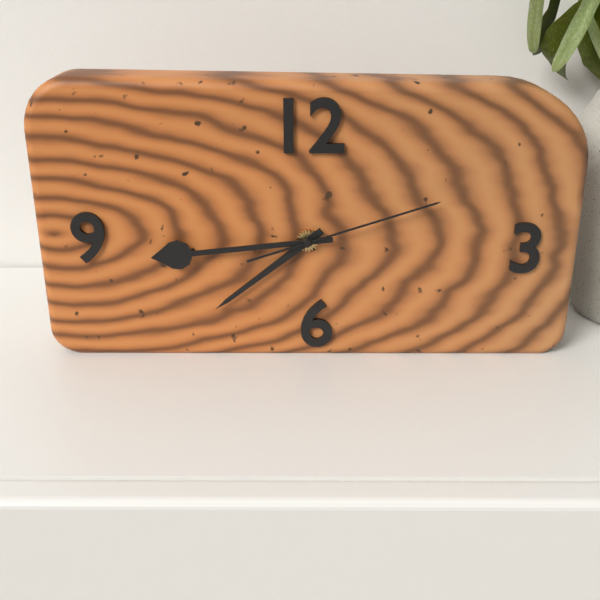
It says 7:44:12
